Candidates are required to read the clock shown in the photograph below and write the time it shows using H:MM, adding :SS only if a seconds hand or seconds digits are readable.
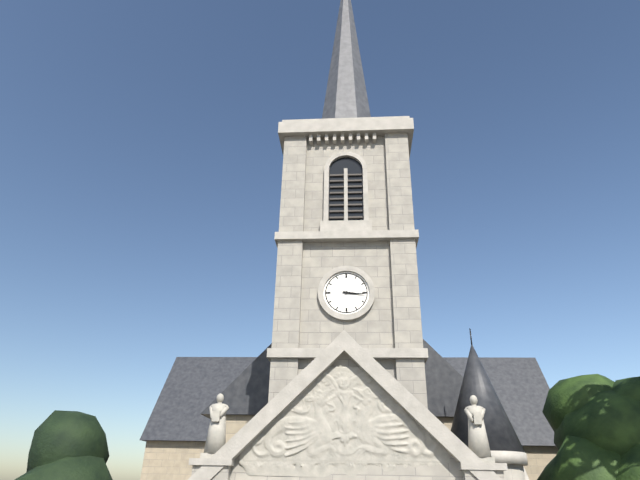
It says 3:16
